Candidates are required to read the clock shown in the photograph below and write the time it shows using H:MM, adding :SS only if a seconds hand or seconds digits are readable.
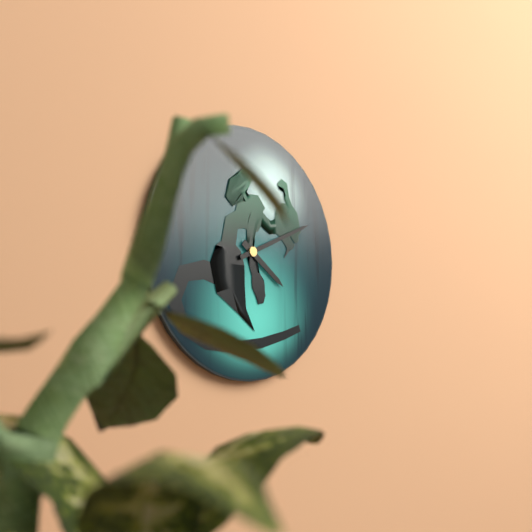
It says 4:11
